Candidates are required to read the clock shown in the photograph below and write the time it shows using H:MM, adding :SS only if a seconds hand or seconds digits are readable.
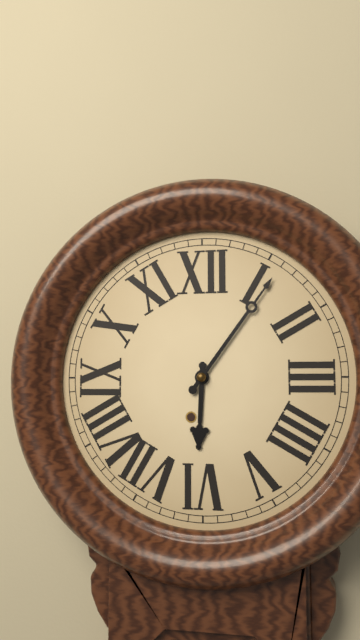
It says 6:06
